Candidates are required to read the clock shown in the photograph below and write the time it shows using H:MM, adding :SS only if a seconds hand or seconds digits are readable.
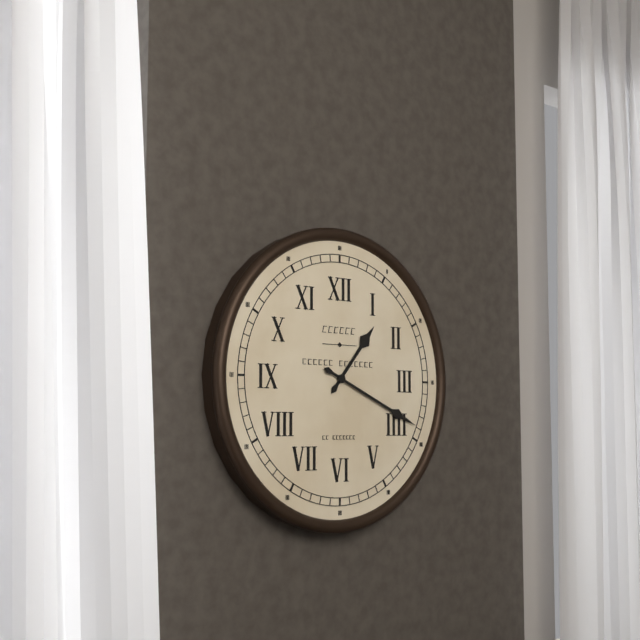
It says 1:19
